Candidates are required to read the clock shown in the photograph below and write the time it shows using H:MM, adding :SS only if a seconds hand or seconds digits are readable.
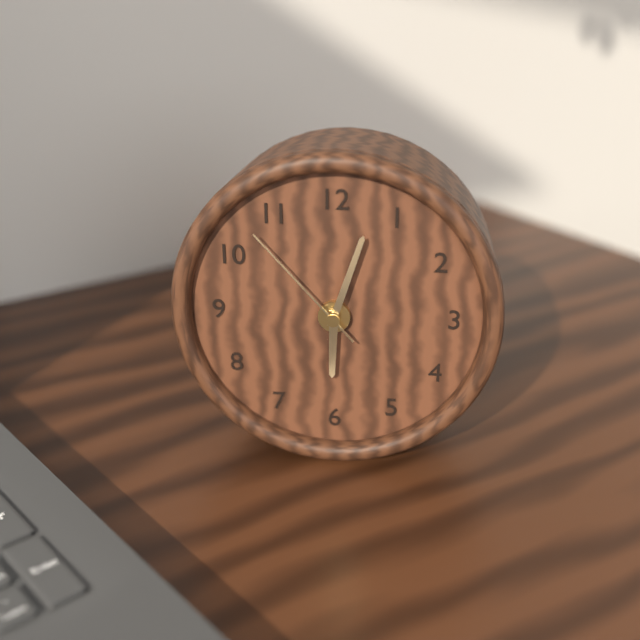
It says 6:03:53
